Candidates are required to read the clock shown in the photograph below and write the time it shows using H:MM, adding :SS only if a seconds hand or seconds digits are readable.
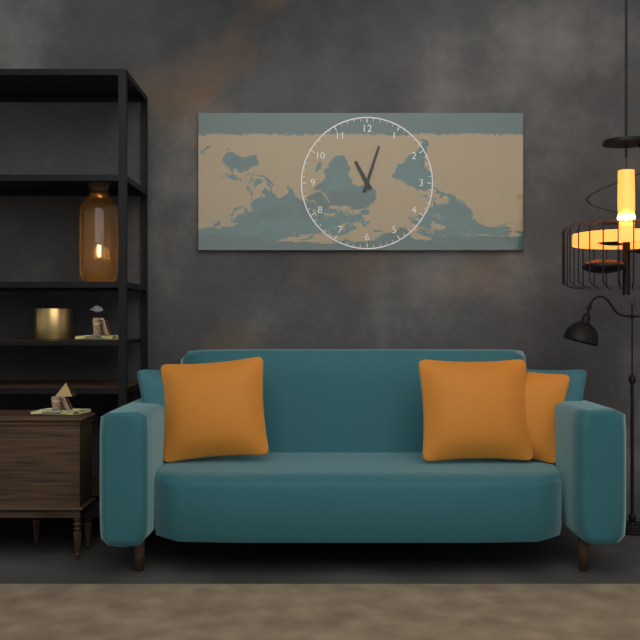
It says 11:03
